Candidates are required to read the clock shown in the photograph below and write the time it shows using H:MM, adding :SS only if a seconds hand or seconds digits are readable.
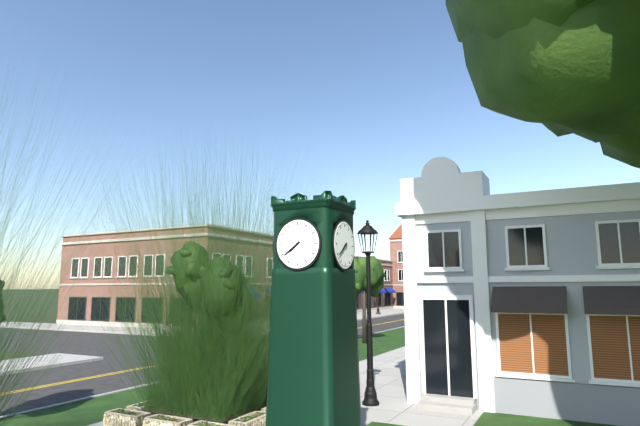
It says 7:39
